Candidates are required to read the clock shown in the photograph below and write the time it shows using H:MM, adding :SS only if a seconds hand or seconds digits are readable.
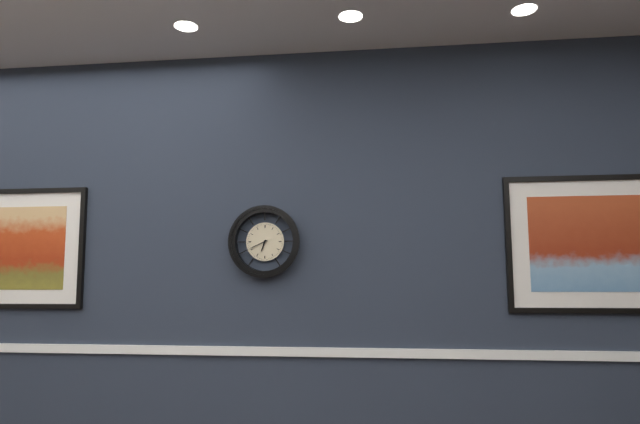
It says 6:41
